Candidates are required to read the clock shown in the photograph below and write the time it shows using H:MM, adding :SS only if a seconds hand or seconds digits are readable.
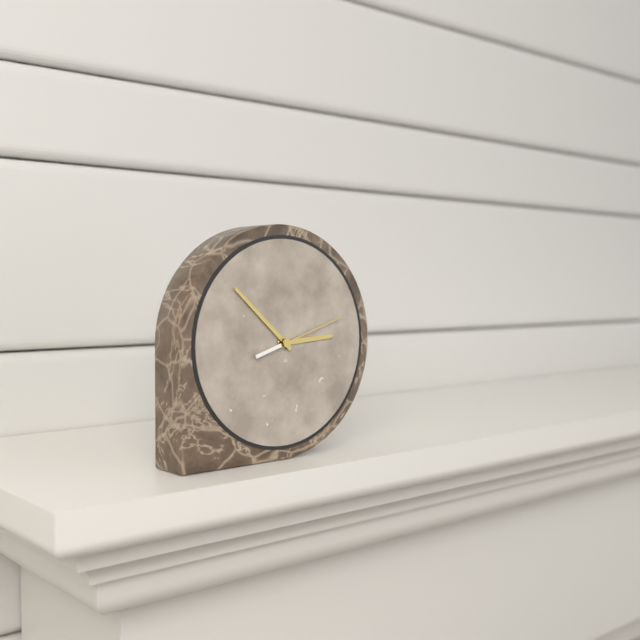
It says 2:52:12
